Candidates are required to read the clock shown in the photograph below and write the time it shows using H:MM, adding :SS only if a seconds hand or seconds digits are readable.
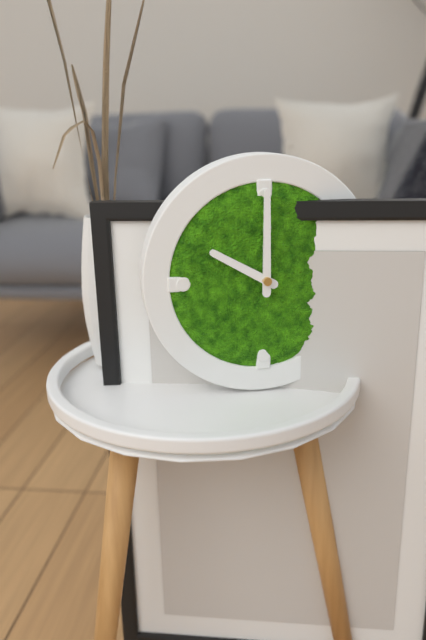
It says 10:00
